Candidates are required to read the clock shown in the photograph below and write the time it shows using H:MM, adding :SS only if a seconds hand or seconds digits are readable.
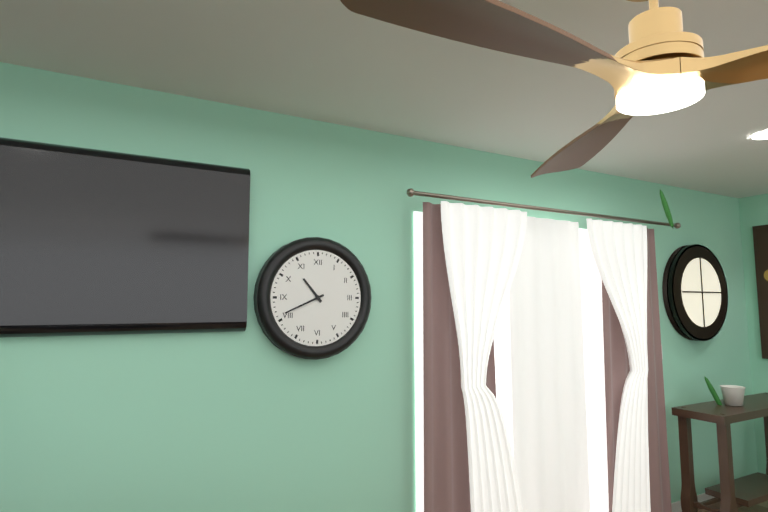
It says 10:41
